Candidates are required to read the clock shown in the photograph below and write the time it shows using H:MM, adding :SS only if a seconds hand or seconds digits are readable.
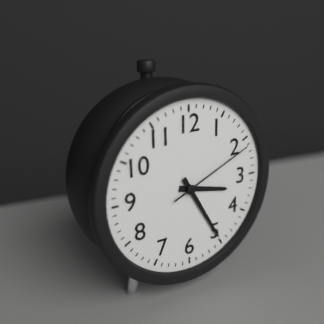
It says 3:25:11
